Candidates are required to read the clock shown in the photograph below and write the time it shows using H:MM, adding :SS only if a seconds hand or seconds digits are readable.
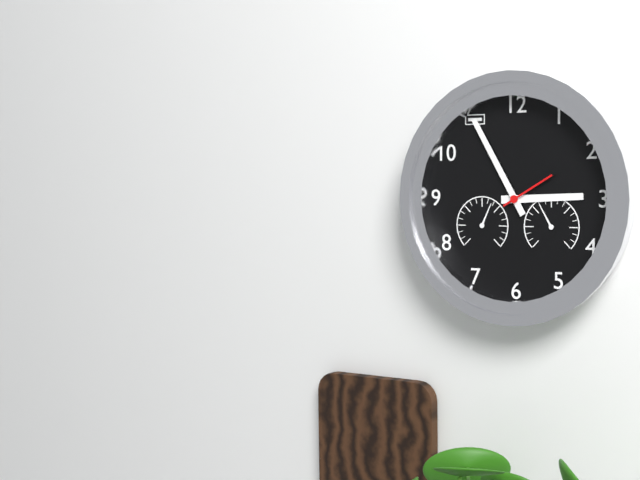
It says 2:55:10
